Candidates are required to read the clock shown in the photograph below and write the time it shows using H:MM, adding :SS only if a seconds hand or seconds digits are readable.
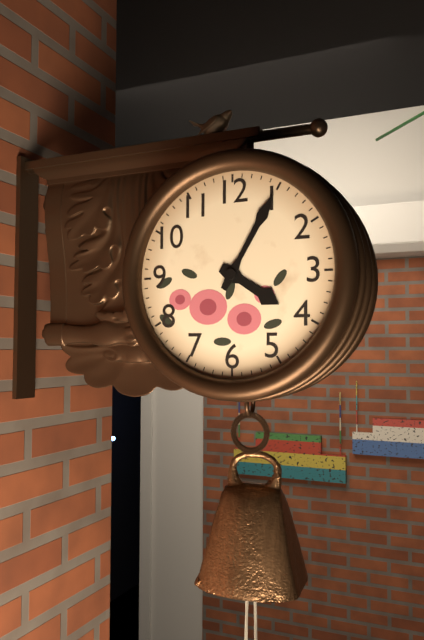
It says 4:05
